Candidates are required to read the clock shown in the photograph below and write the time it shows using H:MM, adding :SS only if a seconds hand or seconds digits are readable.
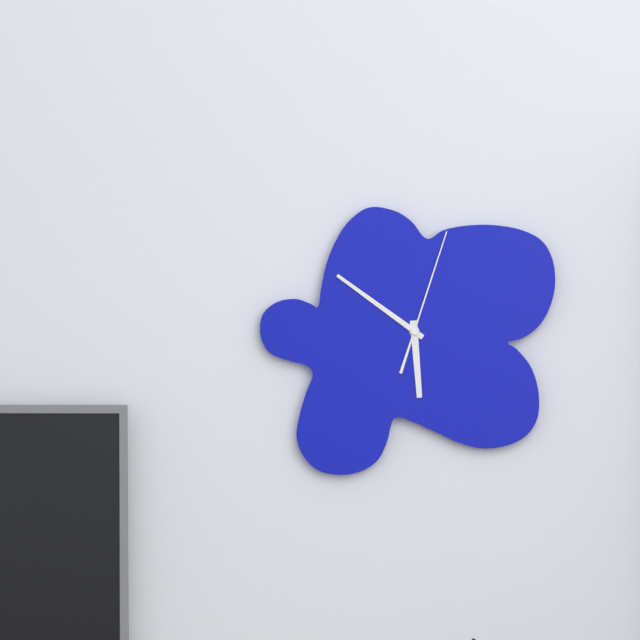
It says 5:51:03
